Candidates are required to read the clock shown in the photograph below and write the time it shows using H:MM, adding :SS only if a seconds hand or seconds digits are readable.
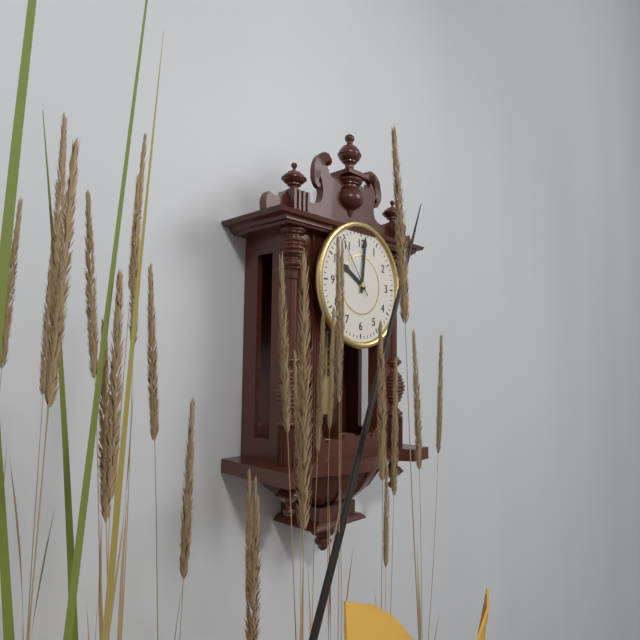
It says 10:01:54
